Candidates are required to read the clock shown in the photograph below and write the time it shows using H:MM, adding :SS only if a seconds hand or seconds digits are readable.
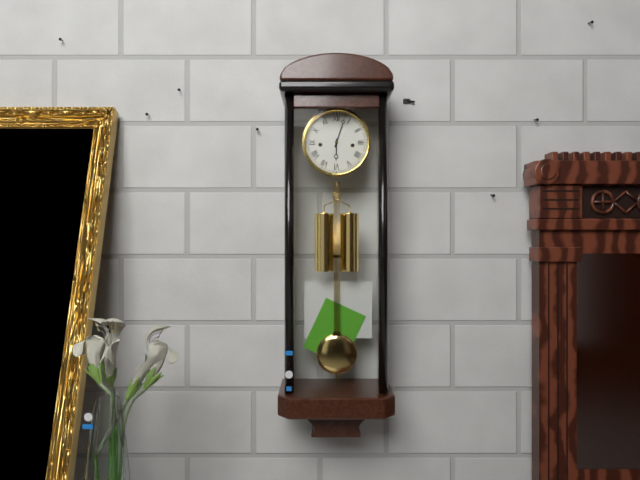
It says 6:03
